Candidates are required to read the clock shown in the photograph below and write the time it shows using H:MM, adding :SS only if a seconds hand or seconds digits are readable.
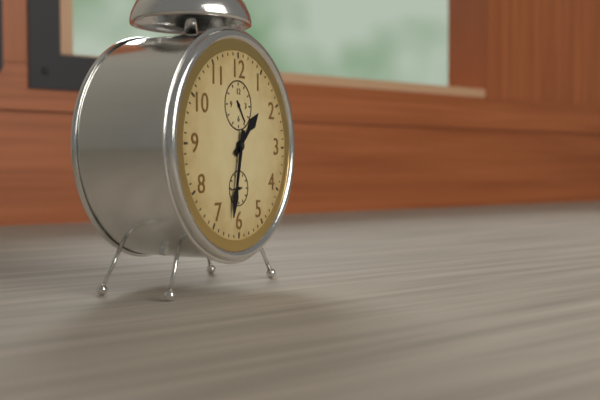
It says 1:32
